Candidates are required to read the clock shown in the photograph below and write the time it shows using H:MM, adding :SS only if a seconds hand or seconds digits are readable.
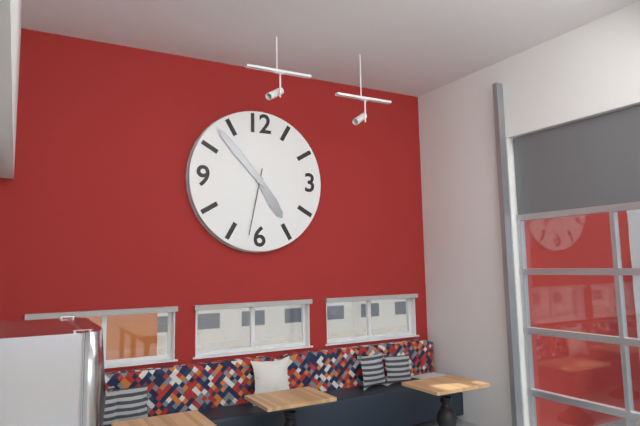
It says 4:53:32
